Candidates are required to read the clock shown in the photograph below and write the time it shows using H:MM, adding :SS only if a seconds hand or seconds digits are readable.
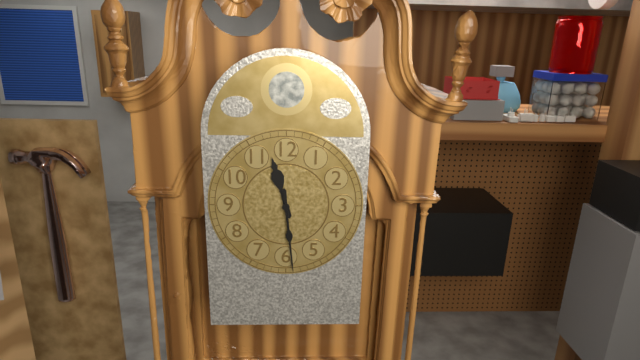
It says 11:29
